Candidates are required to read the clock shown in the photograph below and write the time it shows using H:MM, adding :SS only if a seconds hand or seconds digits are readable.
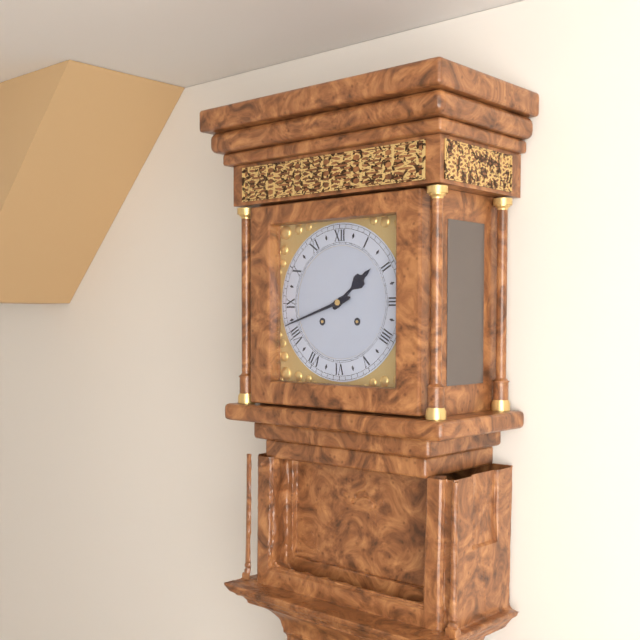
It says 1:42
